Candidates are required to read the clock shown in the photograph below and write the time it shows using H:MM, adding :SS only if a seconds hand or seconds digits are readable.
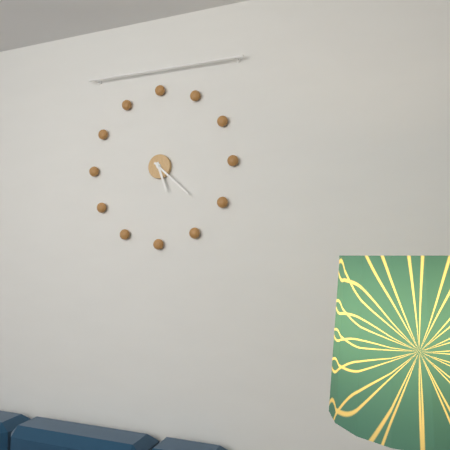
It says 5:22
